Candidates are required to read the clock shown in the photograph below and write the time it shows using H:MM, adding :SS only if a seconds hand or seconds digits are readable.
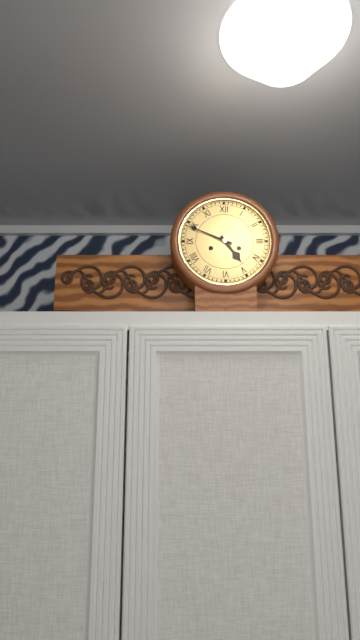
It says 4:49
